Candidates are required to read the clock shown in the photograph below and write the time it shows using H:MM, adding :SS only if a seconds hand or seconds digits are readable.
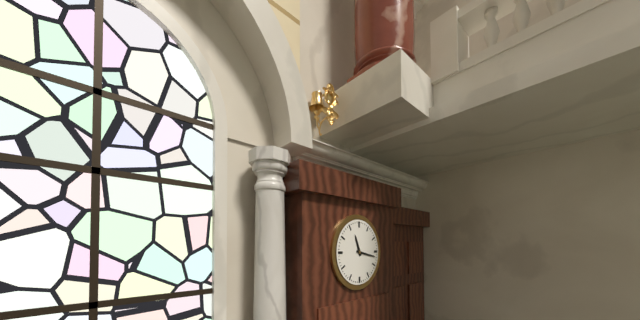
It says 11:17
